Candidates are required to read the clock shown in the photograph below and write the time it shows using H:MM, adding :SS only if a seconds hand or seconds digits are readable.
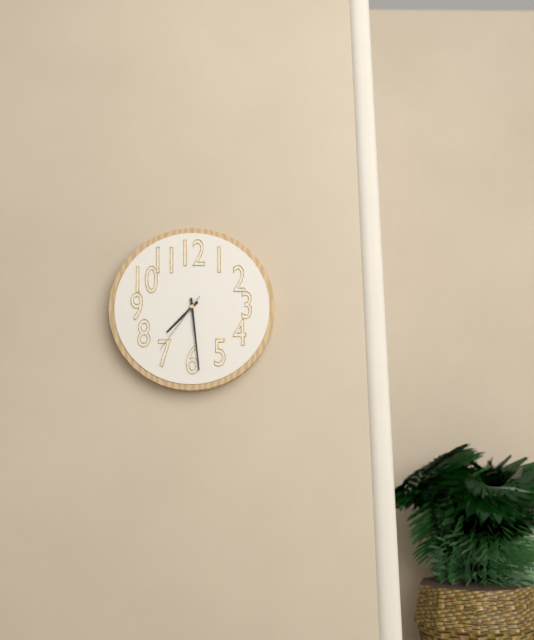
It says 7:29:36
